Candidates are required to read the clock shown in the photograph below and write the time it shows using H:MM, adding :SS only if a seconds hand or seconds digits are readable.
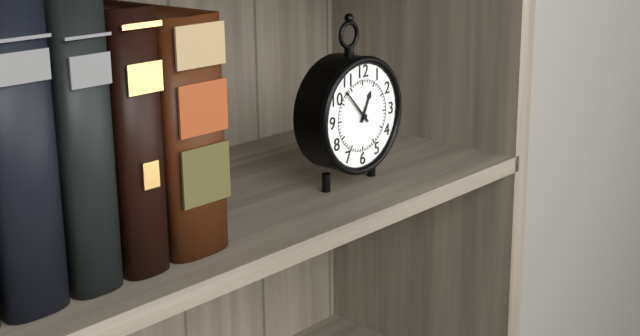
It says 12:53
